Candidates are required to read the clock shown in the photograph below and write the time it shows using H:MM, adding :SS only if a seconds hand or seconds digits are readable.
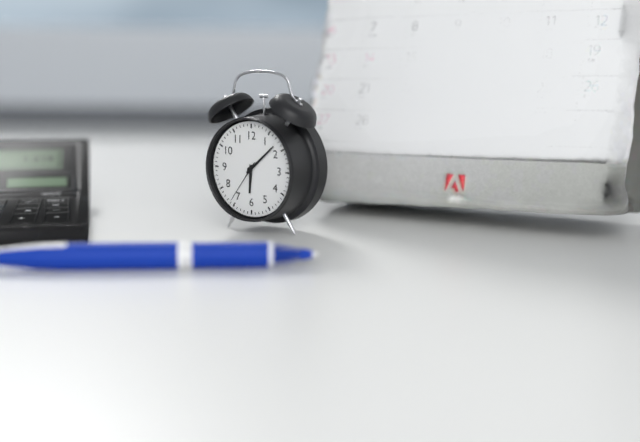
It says 6:08
